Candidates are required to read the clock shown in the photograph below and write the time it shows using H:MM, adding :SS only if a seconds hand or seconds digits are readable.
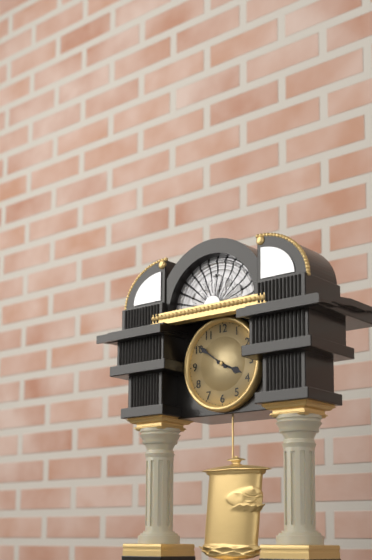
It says 3:51
